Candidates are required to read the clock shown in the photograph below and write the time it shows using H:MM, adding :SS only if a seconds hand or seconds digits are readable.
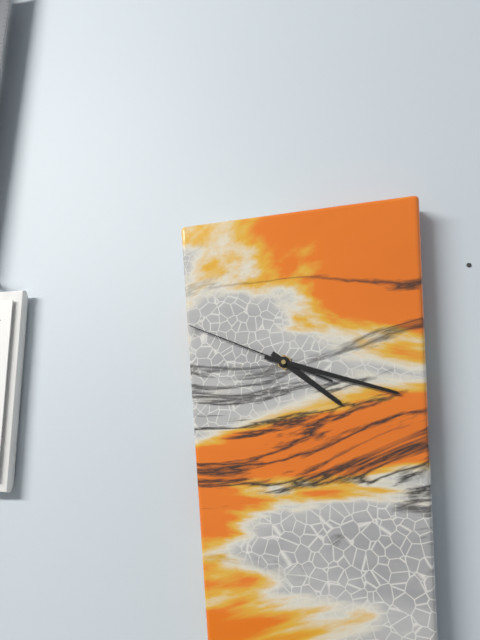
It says 4:18:49
